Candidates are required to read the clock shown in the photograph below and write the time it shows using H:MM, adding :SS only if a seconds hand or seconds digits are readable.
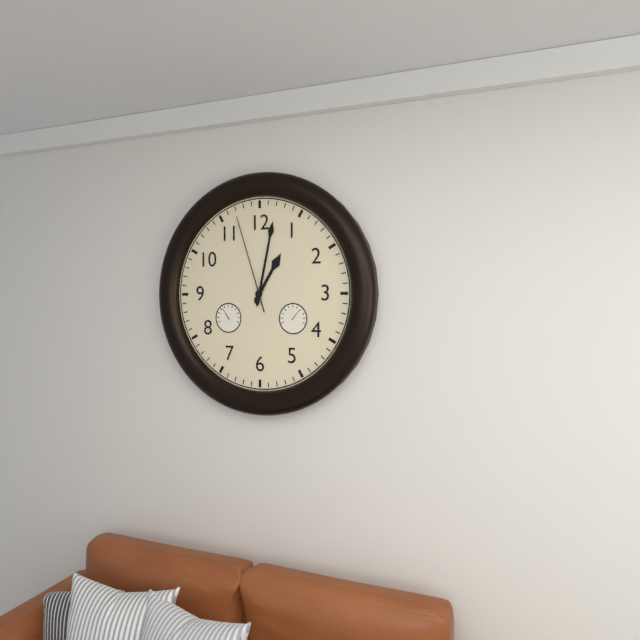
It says 1:02:57
